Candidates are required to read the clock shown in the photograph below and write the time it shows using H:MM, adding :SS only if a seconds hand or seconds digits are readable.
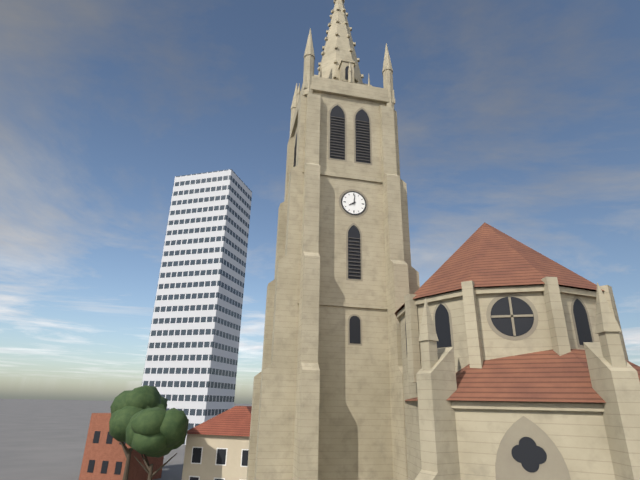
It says 8:01
